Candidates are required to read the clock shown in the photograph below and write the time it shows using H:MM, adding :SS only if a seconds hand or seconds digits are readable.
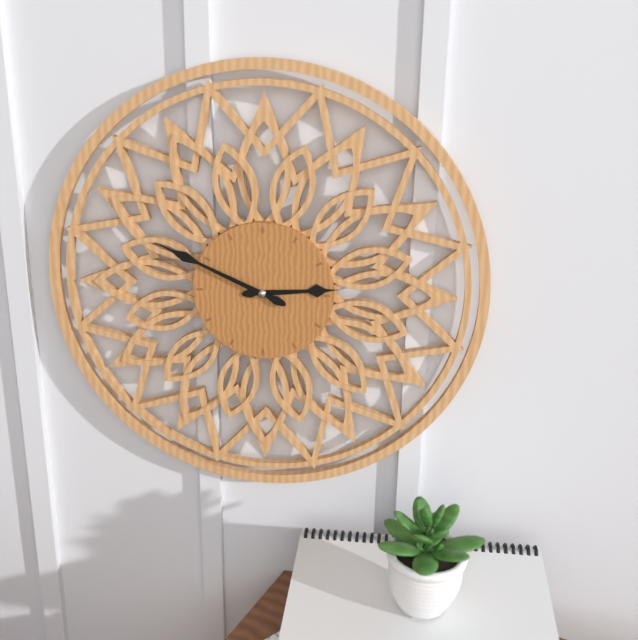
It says 2:49
